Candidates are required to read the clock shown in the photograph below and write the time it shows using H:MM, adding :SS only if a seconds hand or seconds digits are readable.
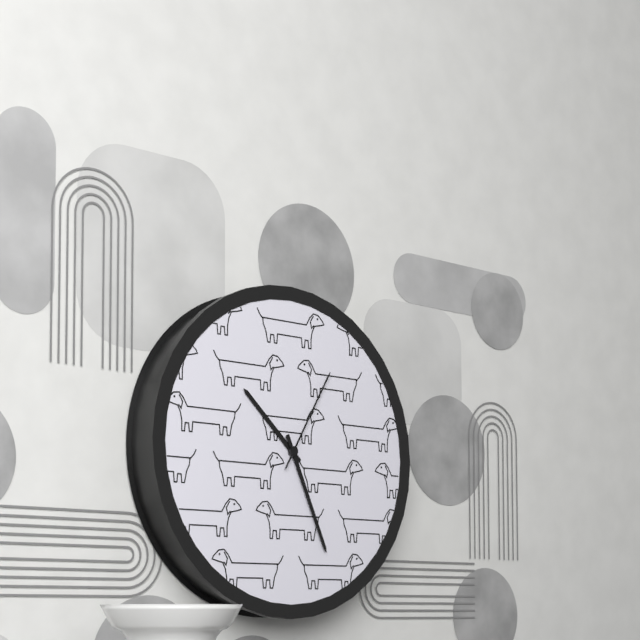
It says 10:26:05
